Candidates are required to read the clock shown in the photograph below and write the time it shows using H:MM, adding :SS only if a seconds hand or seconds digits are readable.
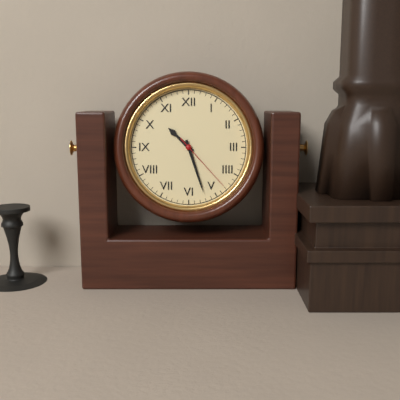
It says 10:27:23
